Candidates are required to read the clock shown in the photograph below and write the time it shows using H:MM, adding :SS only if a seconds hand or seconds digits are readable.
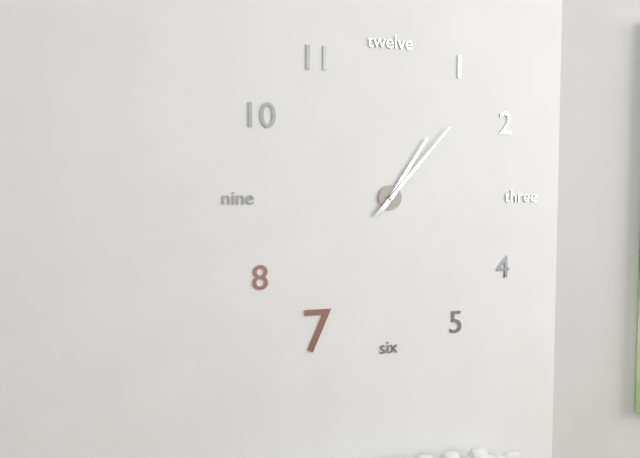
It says 1:07
